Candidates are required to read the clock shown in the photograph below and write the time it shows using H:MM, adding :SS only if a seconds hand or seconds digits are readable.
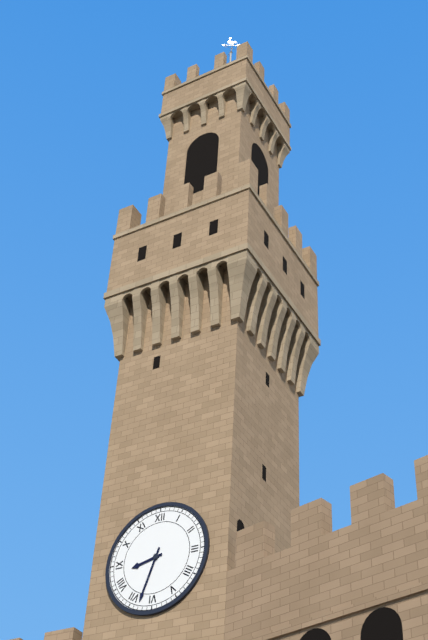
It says 8:33
